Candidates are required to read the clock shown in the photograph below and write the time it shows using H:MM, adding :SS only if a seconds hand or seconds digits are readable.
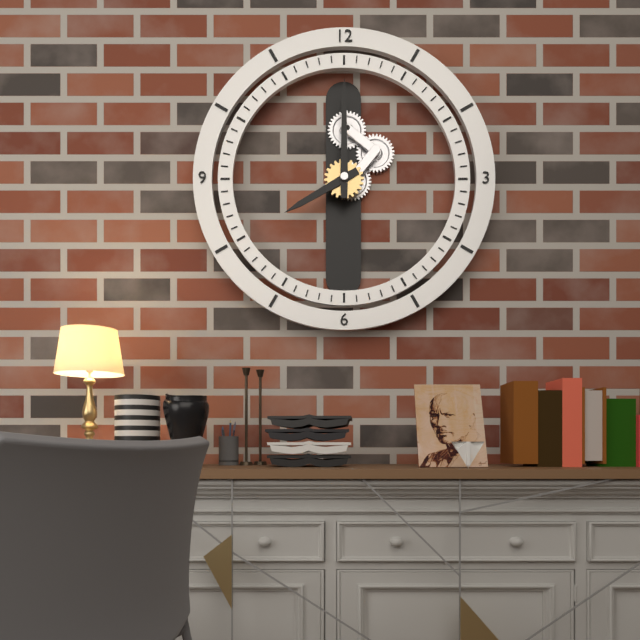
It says 8:00
